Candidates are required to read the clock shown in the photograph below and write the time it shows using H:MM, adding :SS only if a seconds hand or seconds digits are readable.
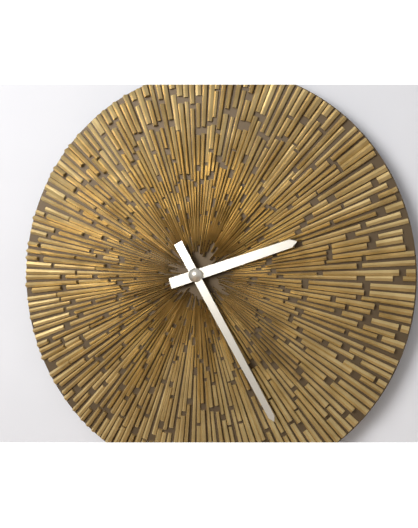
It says 2:25
